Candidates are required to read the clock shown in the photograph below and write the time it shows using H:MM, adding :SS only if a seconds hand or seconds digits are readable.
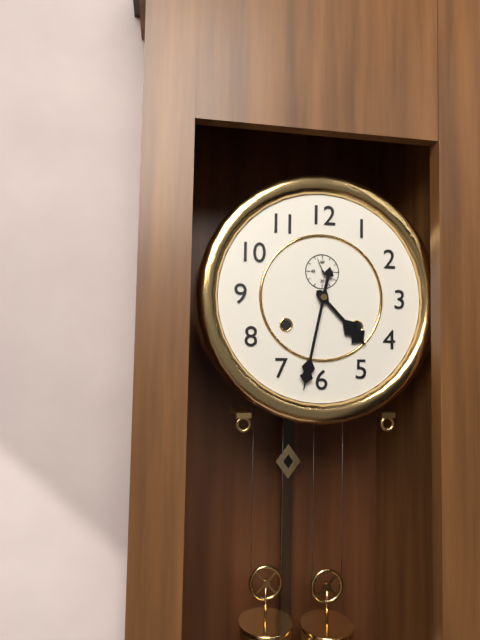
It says 4:32
